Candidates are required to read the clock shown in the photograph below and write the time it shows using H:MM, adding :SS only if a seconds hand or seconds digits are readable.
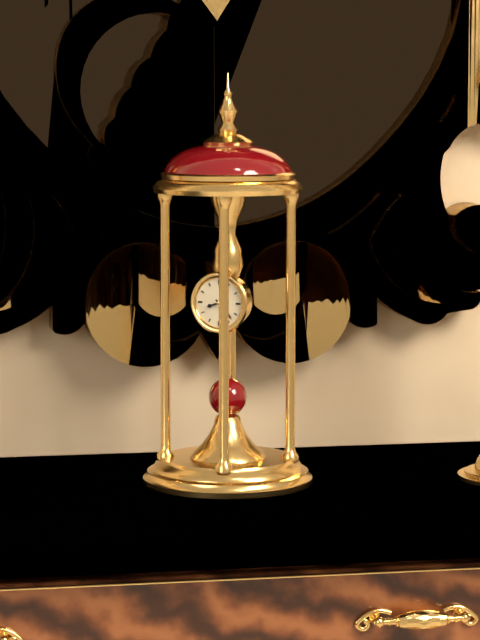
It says 8:23
